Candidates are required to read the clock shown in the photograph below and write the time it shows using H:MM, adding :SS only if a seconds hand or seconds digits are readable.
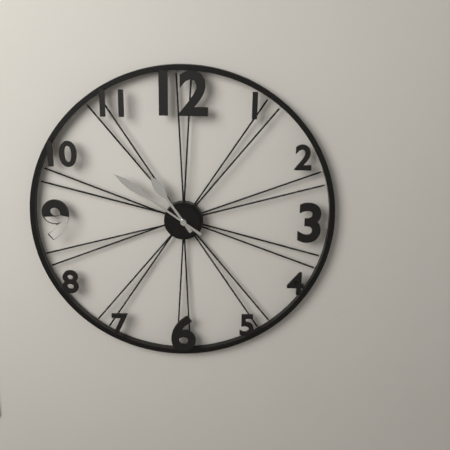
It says 10:51
